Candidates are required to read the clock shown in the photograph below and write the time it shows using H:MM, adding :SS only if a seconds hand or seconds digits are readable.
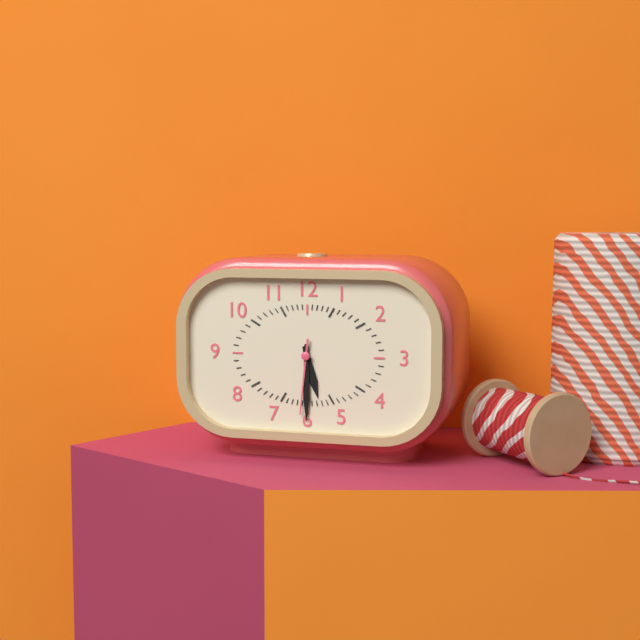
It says 5:30:31
